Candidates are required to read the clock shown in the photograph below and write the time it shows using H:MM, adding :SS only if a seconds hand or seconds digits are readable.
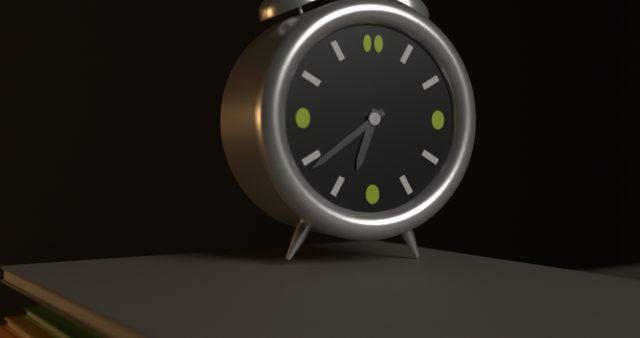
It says 6:39
